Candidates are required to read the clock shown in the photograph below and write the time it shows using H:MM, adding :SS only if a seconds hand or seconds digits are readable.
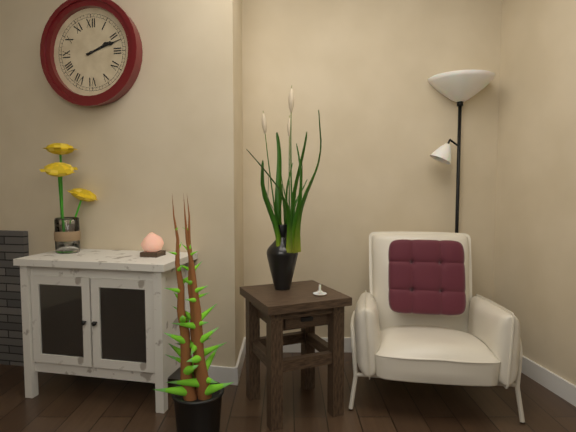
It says 2:12
